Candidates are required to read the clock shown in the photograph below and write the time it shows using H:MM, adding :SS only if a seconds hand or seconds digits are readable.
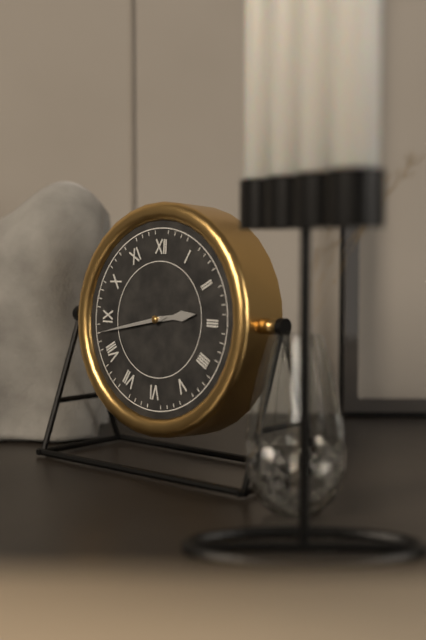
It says 2:43
